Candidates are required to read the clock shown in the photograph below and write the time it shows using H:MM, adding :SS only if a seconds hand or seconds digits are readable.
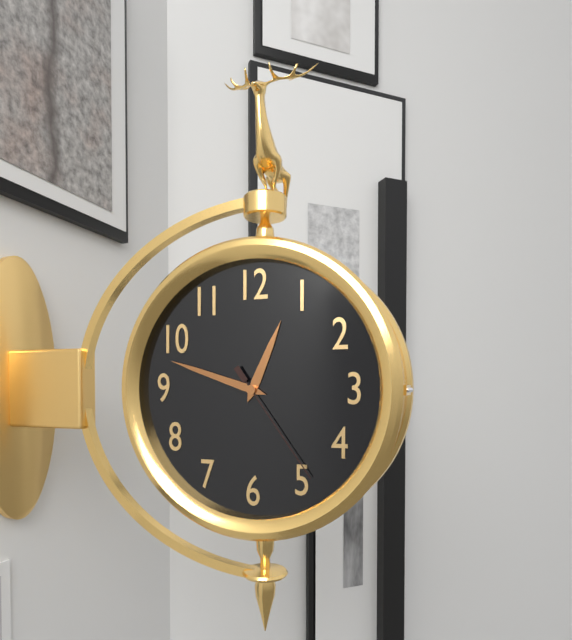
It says 12:48:24
